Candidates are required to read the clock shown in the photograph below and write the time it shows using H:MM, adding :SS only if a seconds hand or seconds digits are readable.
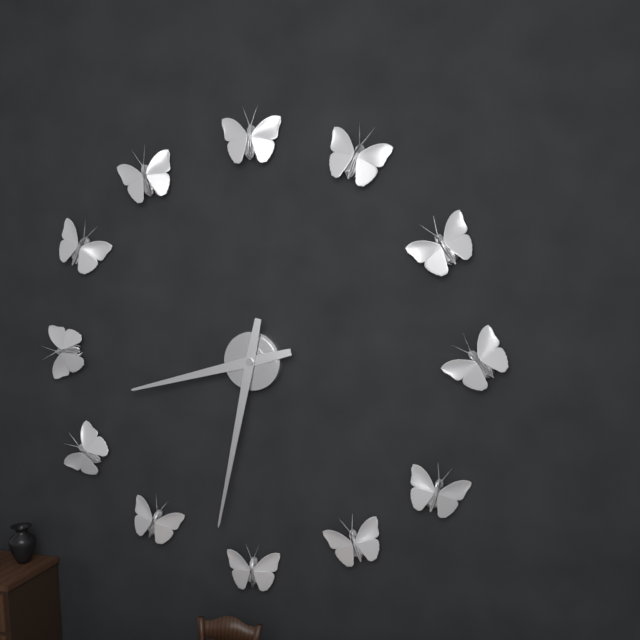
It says 8:32
